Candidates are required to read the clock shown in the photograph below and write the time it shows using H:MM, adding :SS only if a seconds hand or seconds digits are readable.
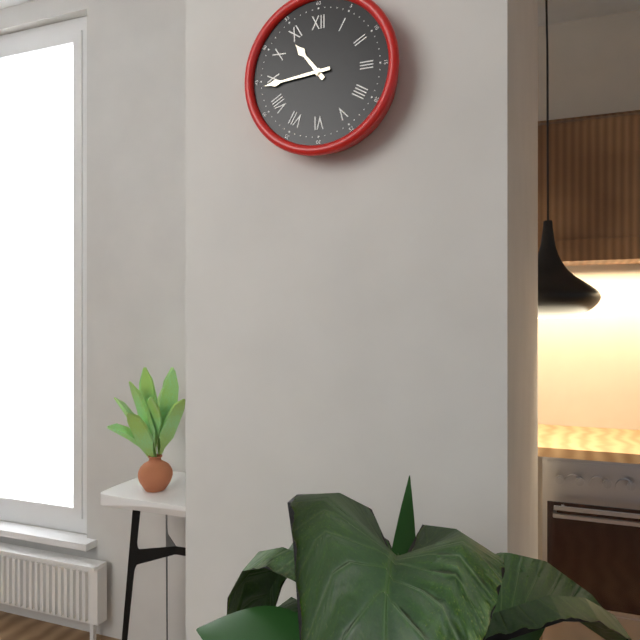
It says 10:44
